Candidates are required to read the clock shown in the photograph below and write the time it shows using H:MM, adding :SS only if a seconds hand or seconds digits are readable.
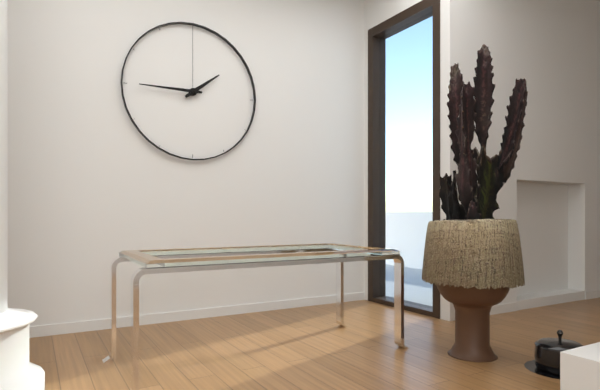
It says 1:45
